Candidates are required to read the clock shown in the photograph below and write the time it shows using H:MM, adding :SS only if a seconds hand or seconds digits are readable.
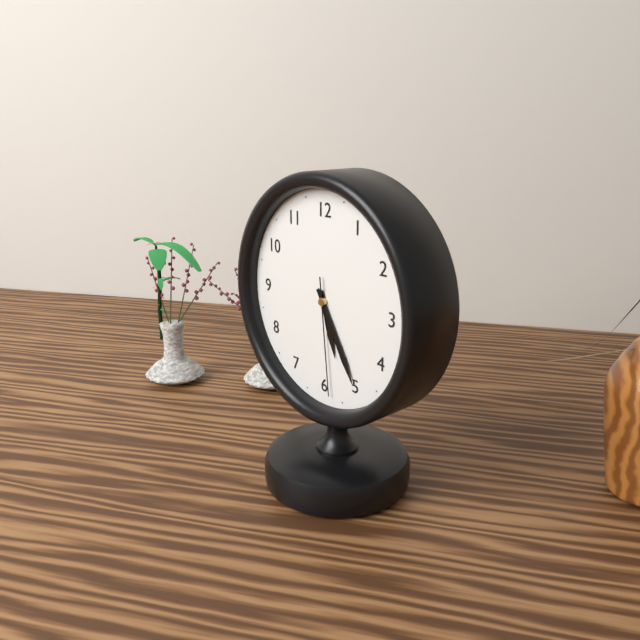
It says 5:25:29
